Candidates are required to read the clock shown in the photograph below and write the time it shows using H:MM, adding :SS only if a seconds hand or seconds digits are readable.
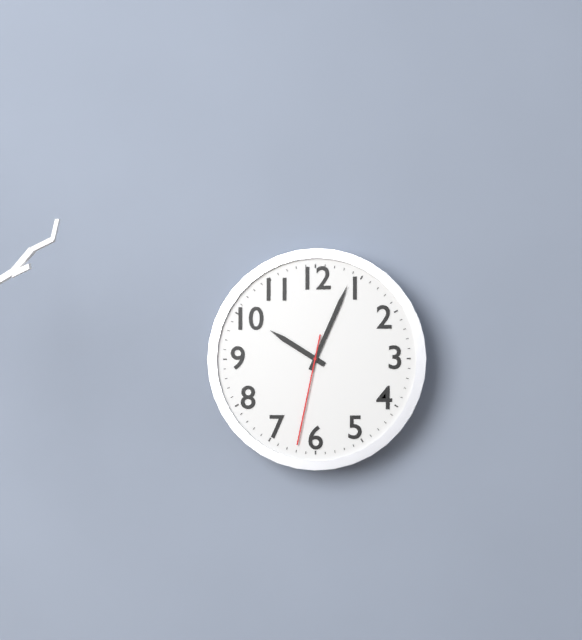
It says 10:04:32
